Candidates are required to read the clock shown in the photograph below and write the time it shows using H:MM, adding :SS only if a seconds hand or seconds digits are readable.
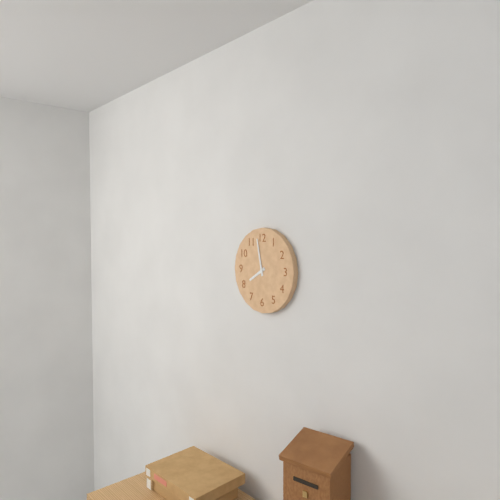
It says 7:58
